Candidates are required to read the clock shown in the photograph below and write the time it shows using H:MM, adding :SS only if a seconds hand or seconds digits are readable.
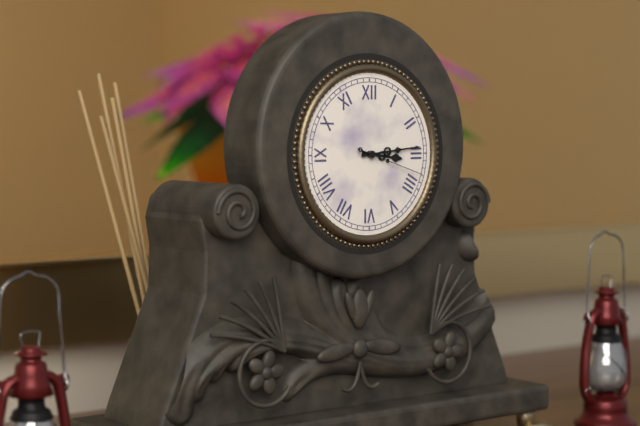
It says 3:14:18
